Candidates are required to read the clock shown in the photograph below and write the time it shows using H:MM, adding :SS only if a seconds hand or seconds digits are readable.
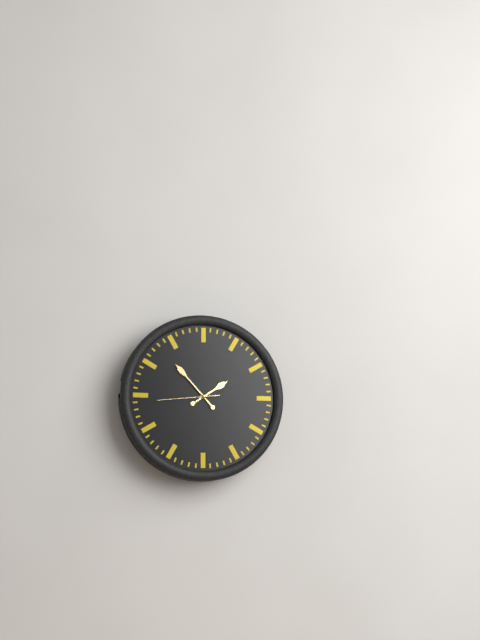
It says 1:53:44
